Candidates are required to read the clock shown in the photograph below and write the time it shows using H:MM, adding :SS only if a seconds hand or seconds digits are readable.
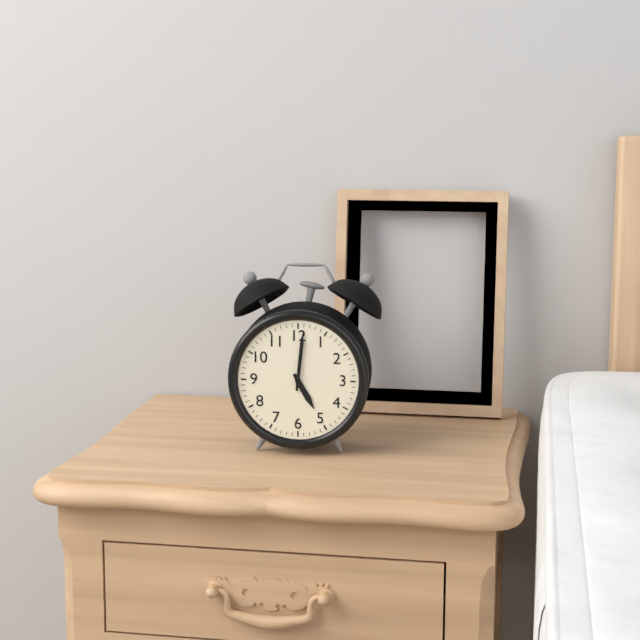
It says 5:01
